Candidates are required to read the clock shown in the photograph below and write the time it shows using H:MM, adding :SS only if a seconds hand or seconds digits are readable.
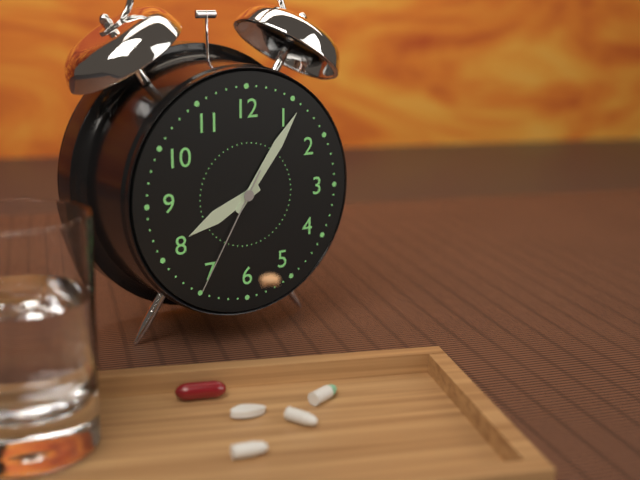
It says 8:06:35
